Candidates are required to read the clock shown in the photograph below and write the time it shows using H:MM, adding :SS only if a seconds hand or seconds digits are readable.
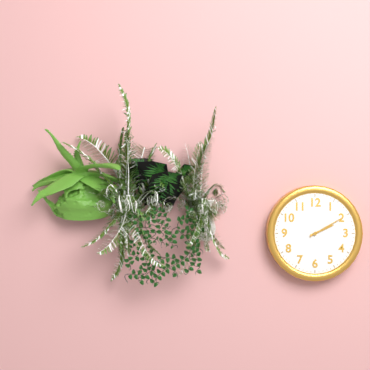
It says 2:10
